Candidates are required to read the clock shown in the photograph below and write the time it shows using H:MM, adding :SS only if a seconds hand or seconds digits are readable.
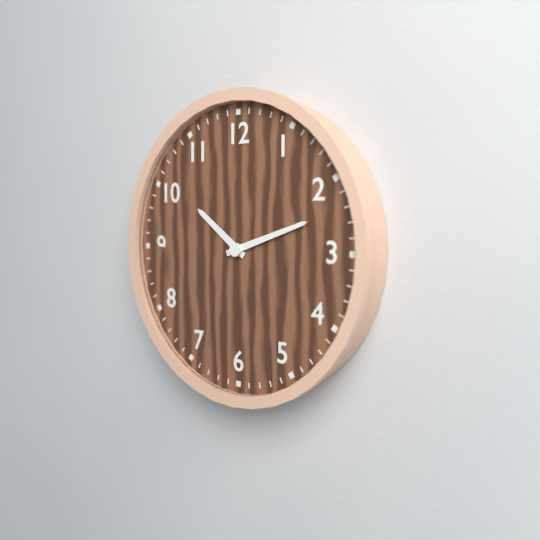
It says 10:12
